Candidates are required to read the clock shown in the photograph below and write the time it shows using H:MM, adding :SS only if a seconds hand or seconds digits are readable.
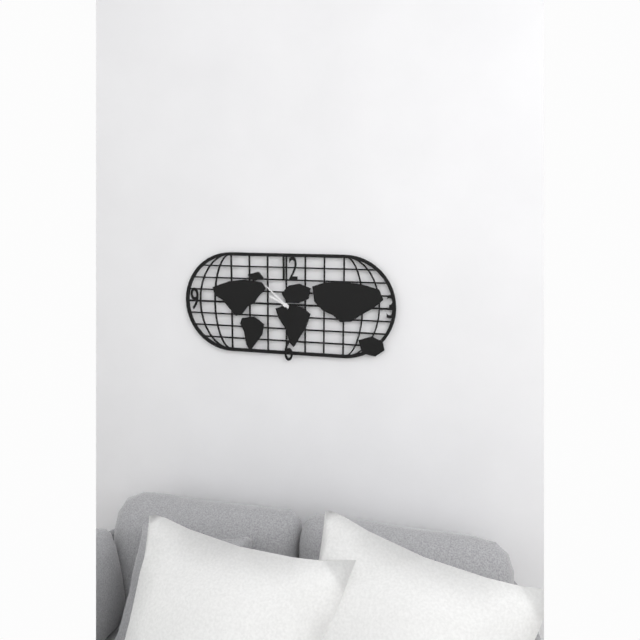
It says 9:52
